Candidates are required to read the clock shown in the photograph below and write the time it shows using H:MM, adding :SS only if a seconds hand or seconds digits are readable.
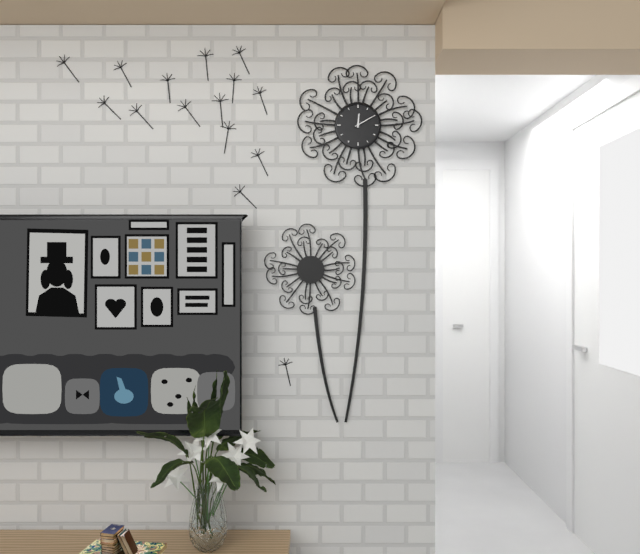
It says 12:10
